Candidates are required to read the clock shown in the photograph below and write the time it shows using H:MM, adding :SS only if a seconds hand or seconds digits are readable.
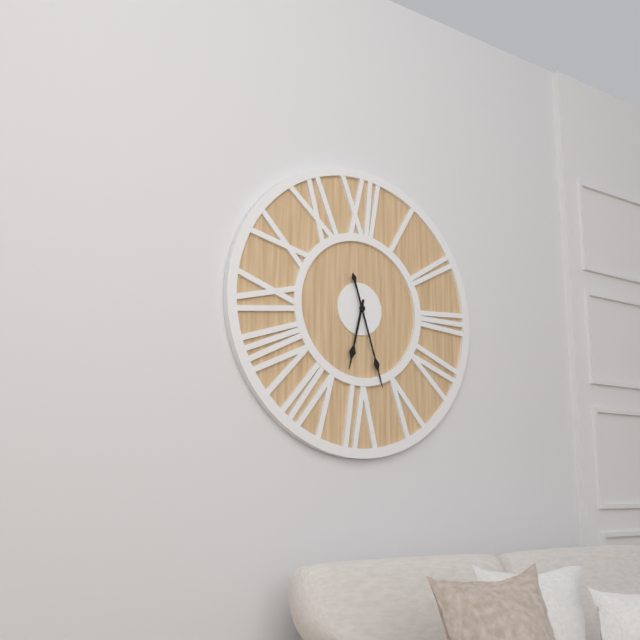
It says 6:27
